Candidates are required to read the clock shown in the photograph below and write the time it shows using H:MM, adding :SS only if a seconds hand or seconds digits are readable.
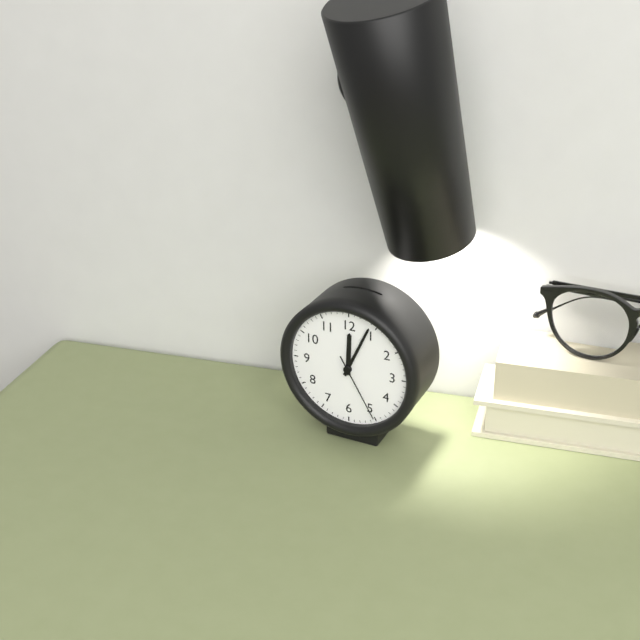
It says 12:04:25
